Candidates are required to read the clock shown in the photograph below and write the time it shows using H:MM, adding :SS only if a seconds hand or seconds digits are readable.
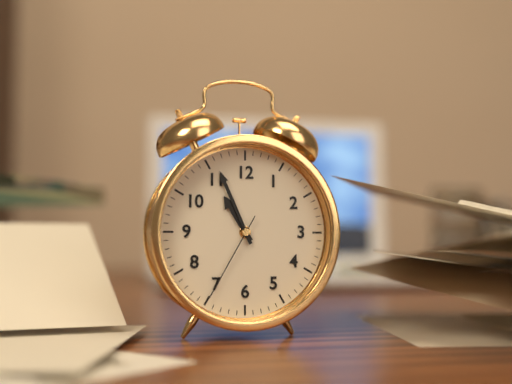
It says 10:56:35
